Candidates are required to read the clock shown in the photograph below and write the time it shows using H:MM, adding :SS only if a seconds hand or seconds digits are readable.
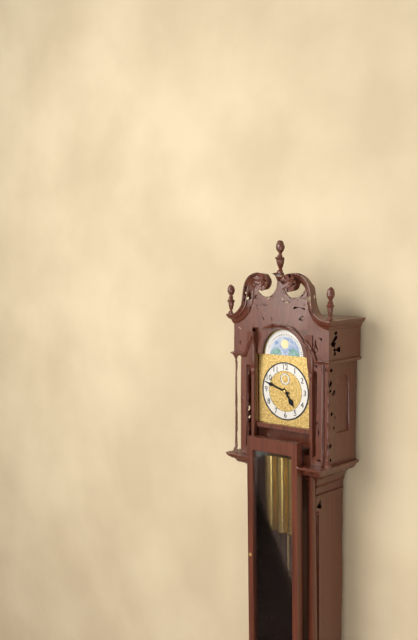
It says 4:48
